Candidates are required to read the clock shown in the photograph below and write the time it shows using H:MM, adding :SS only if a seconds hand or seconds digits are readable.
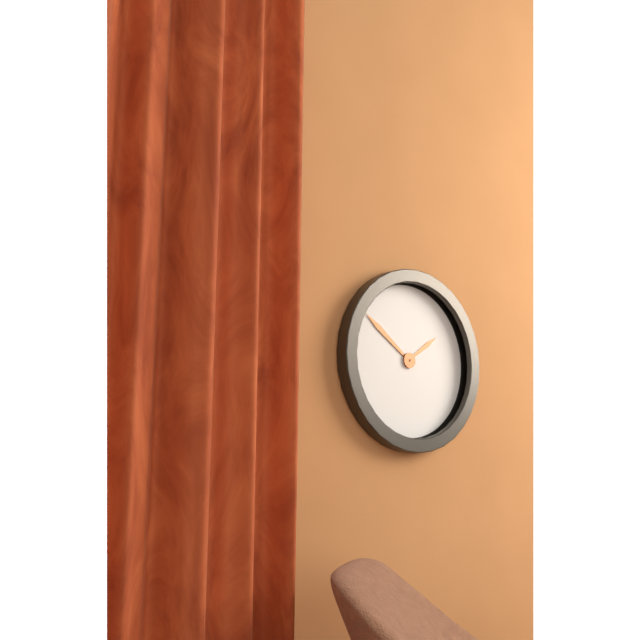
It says 1:51
